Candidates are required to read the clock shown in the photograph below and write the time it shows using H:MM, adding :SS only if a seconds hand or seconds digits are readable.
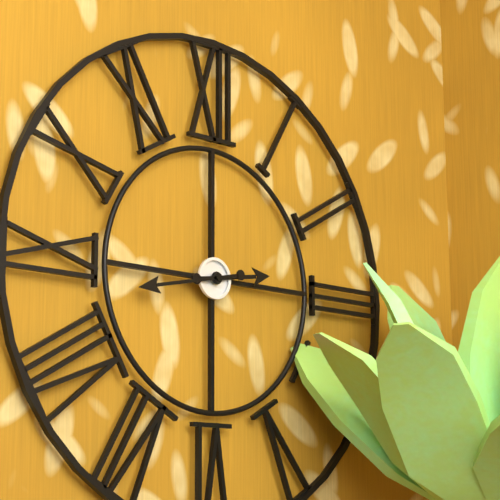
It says 2:43
